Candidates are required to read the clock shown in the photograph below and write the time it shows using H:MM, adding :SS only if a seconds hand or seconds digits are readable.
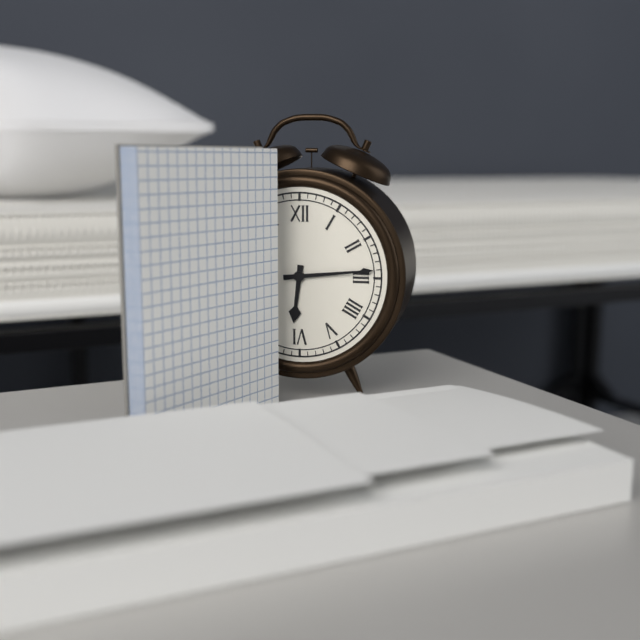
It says 6:14
